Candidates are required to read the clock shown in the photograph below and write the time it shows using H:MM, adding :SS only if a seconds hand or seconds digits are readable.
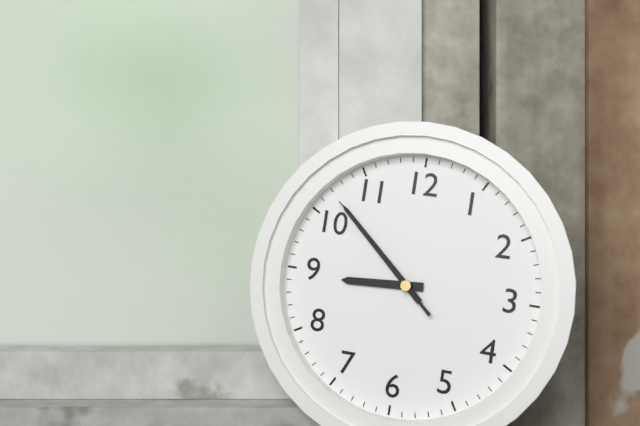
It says 8:52:52
